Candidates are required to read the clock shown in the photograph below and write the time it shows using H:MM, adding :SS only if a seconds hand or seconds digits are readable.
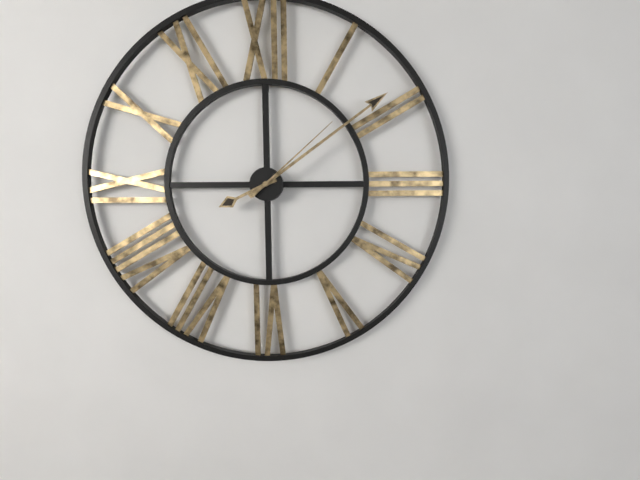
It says 8:09:08
